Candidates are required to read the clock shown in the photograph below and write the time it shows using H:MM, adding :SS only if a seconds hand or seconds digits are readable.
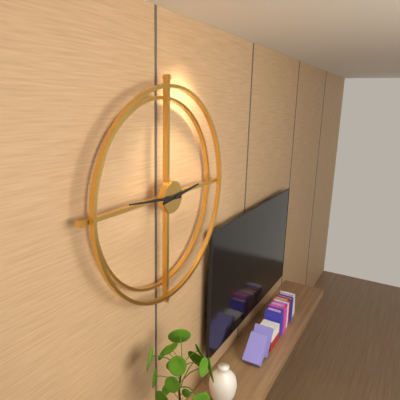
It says 2:46
